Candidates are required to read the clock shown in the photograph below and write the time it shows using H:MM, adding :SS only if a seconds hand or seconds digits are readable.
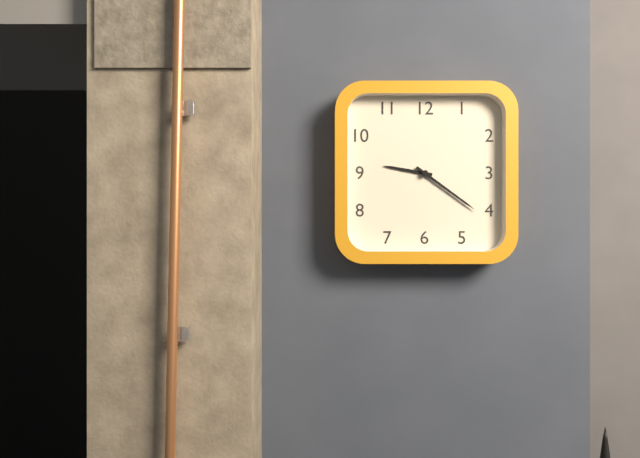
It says 9:21
